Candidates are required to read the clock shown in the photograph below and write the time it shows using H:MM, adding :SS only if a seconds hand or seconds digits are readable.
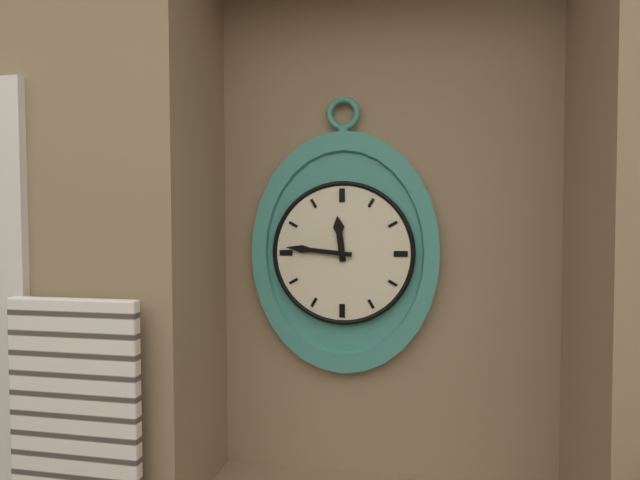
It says 11:46
